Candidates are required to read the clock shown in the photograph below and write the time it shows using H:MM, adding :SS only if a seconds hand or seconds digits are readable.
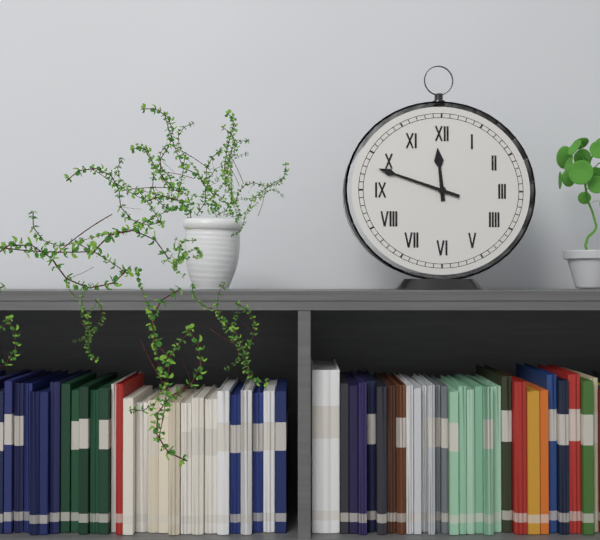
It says 11:48
